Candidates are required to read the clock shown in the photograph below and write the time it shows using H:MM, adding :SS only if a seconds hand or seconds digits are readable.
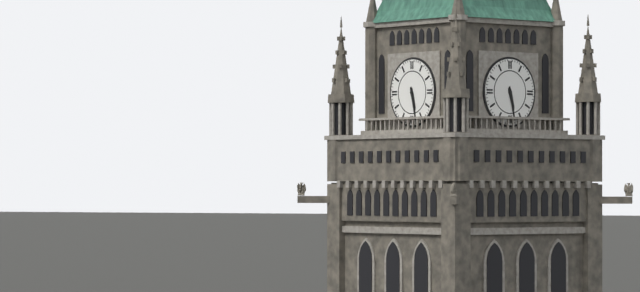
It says 5:28
